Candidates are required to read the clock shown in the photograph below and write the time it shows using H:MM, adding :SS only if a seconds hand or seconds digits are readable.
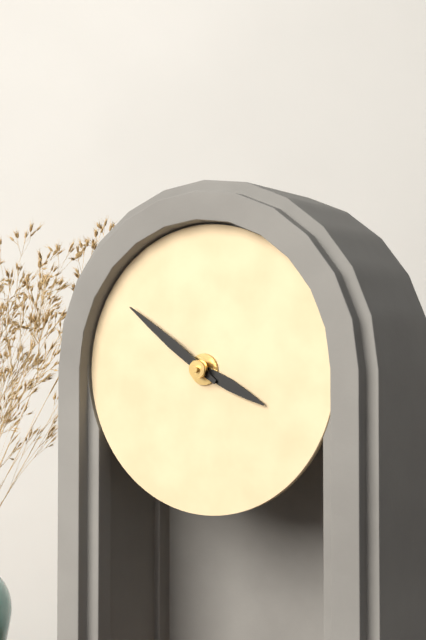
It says 3:51
